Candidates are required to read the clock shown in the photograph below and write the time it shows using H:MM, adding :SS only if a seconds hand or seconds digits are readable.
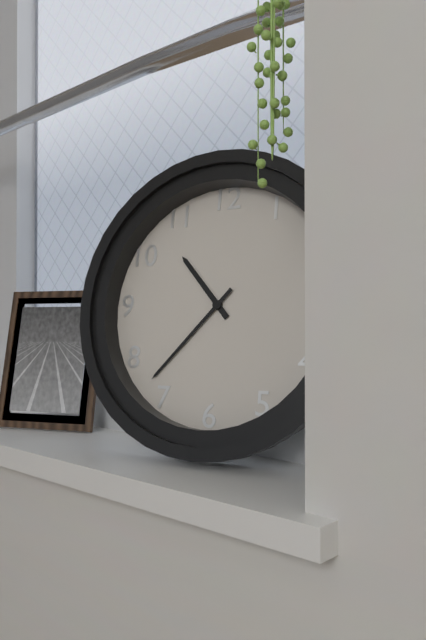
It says 10:37
